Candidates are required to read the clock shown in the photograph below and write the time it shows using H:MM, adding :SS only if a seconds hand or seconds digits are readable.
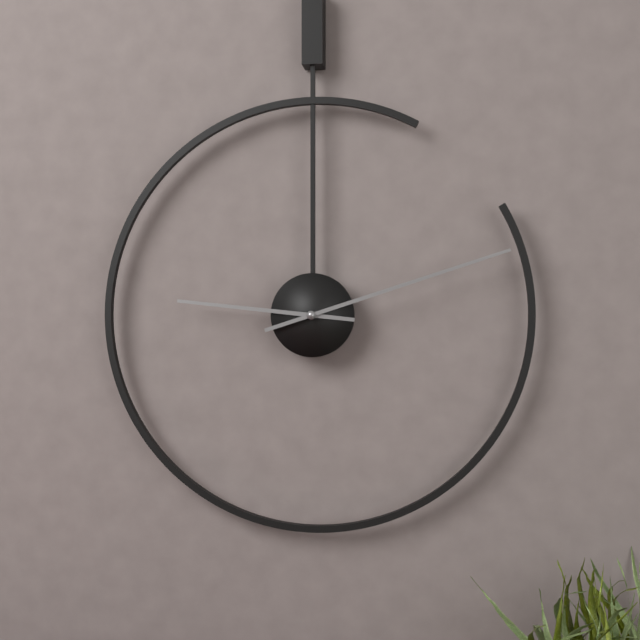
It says 9:12
